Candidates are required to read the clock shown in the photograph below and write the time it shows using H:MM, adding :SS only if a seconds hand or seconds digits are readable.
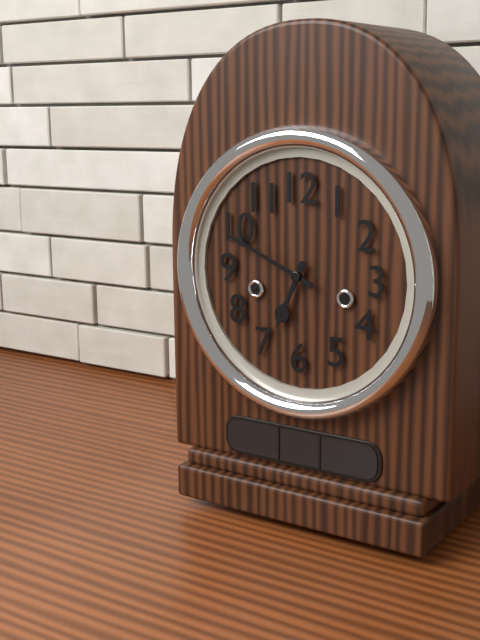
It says 6:49
